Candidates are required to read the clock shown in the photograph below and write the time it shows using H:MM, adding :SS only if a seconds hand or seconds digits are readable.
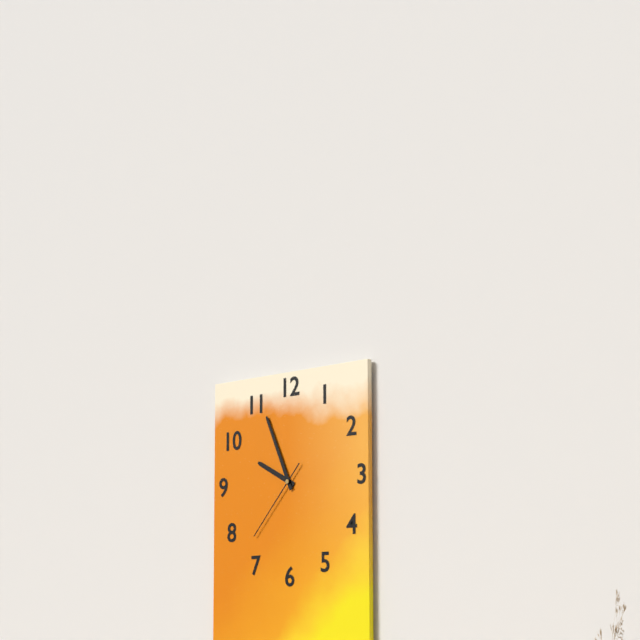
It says 9:56:37
